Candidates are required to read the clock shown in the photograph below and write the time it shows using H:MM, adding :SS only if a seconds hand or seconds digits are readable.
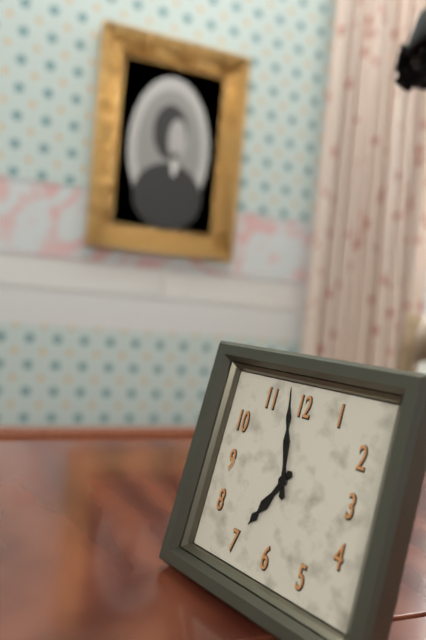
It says 6:58
